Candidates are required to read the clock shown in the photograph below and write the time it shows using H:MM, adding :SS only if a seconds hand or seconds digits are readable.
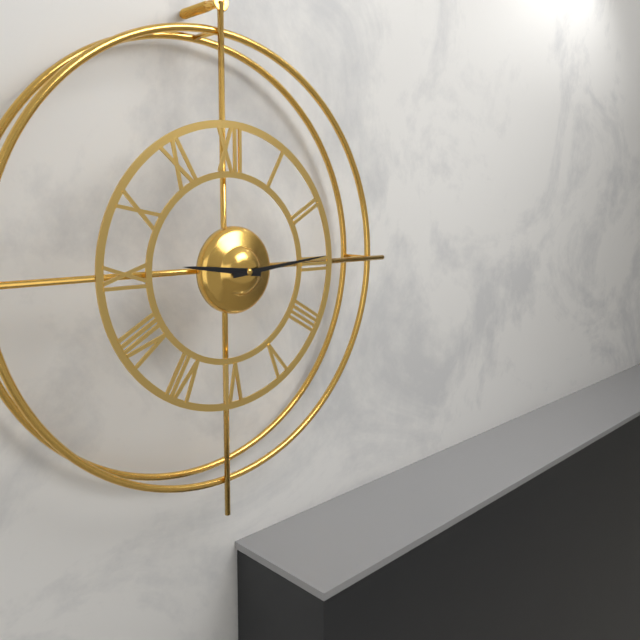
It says 9:14
